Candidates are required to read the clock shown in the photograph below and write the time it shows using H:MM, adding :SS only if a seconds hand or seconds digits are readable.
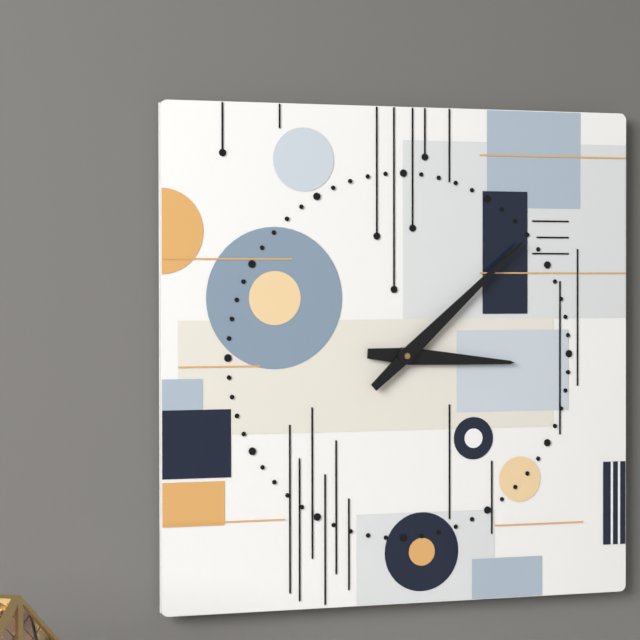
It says 3:08
